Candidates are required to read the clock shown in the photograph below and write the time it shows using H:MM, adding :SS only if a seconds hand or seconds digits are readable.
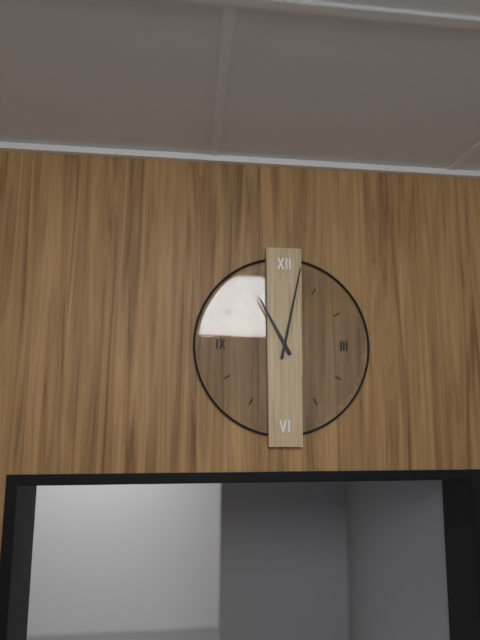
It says 11:02
